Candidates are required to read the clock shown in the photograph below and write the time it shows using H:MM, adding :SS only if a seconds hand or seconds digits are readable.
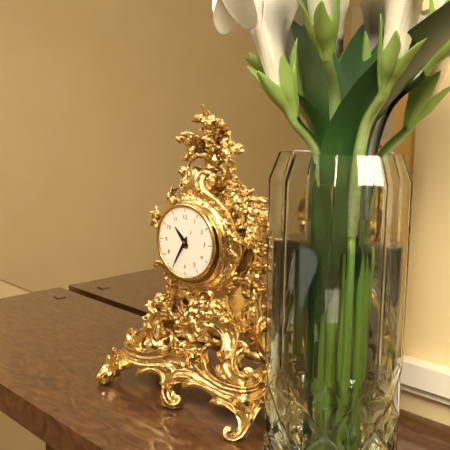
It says 10:35
